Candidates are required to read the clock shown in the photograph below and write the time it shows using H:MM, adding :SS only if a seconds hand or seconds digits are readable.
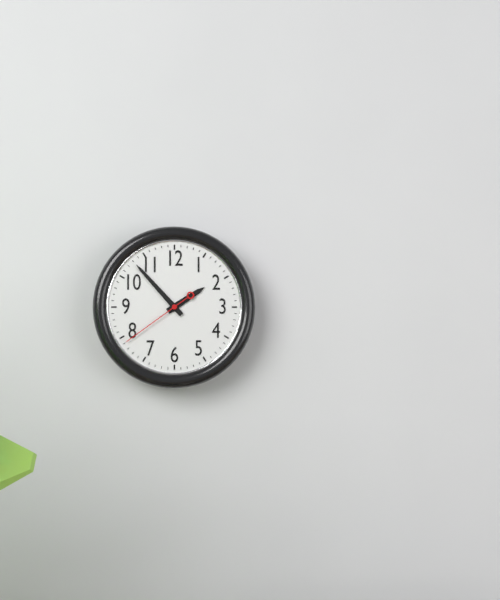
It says 1:53:39
